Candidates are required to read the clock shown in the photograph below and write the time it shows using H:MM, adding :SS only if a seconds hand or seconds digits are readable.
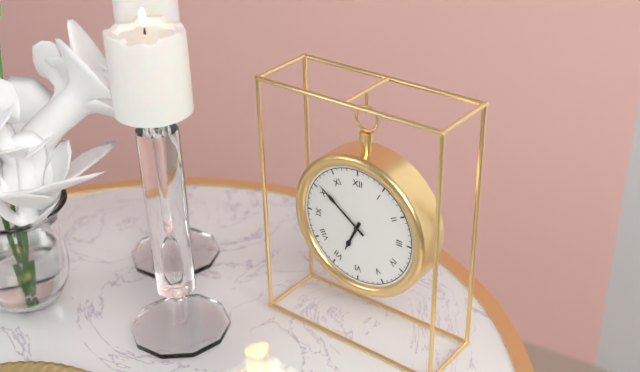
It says 6:51
